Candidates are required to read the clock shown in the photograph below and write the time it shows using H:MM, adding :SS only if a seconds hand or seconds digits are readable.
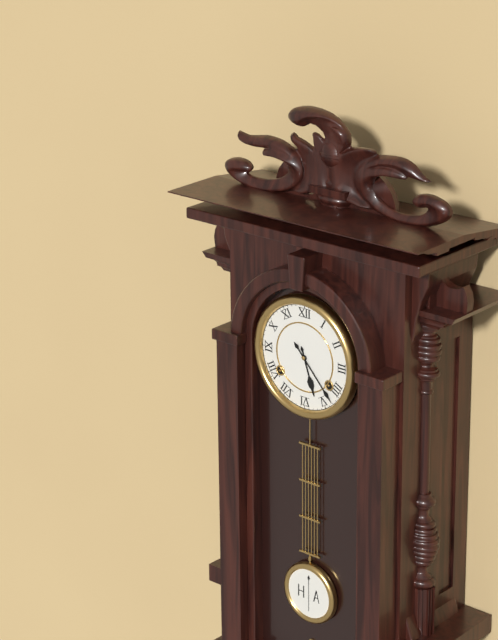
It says 5:23
